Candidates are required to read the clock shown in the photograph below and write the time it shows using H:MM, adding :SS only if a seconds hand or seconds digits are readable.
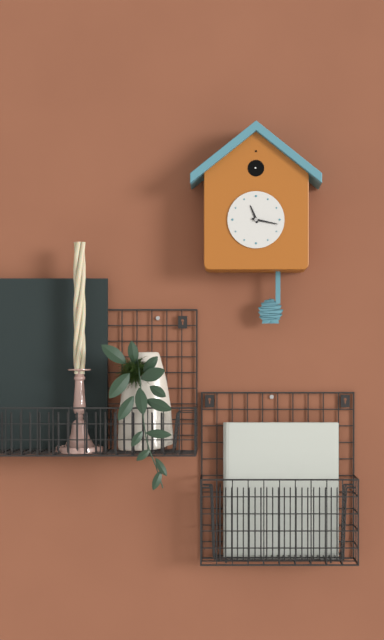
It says 11:17
